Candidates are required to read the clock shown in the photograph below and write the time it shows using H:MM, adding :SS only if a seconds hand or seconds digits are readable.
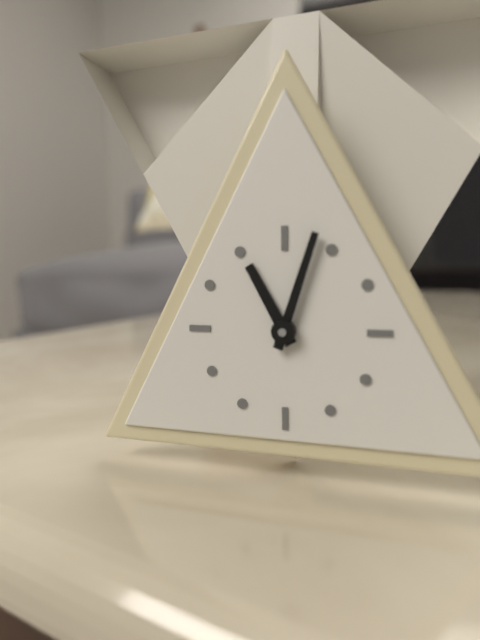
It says 11:03
